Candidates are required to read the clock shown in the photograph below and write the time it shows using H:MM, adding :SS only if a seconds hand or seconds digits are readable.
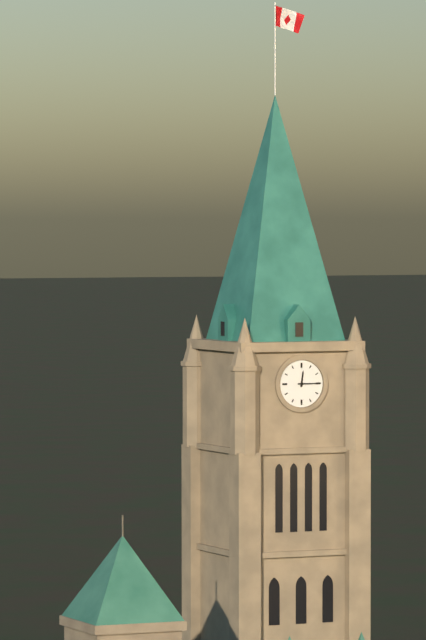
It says 12:15
